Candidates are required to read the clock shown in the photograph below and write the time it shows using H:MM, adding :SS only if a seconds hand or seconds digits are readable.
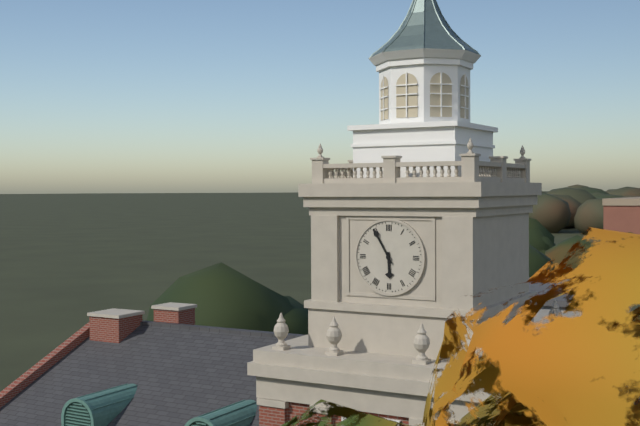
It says 5:55
